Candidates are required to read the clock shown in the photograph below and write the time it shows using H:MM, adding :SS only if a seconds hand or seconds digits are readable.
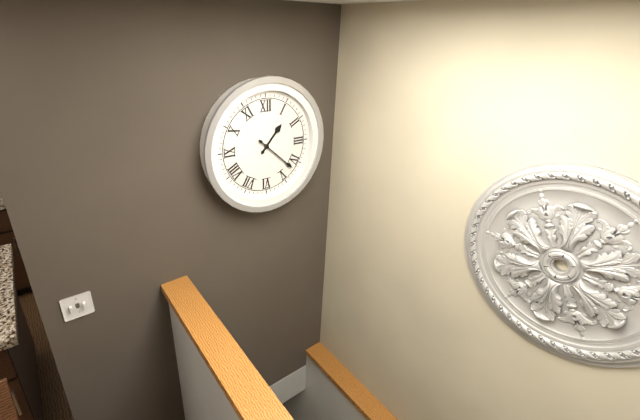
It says 1:22
